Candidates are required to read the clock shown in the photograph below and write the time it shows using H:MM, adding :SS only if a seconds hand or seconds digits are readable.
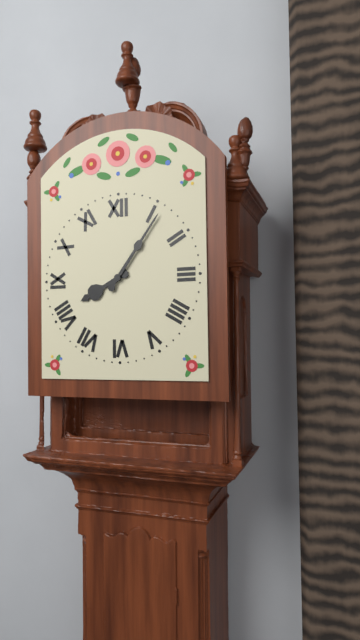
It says 8:06
